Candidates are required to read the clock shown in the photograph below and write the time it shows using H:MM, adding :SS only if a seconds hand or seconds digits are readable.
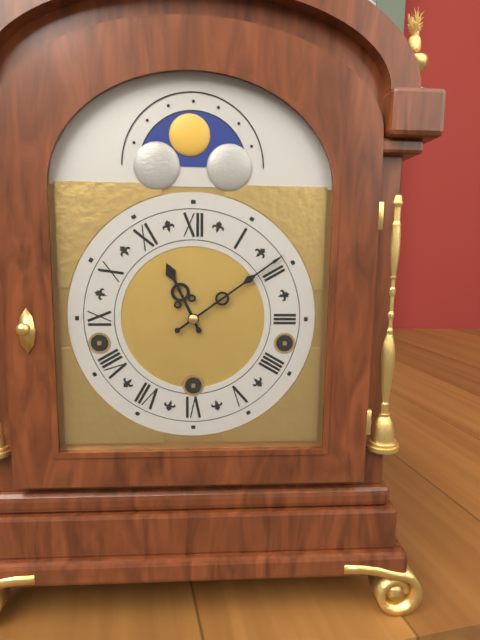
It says 11:09
